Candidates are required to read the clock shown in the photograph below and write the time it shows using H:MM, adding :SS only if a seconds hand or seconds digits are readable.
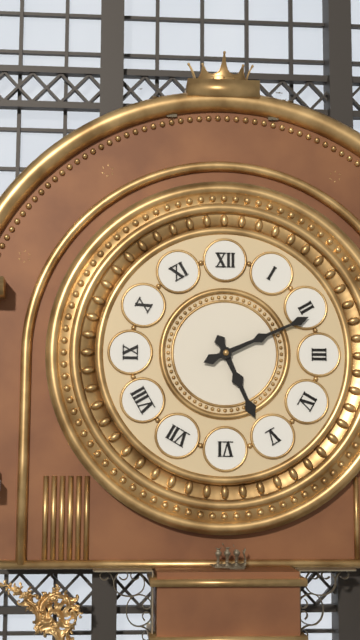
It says 5:11
